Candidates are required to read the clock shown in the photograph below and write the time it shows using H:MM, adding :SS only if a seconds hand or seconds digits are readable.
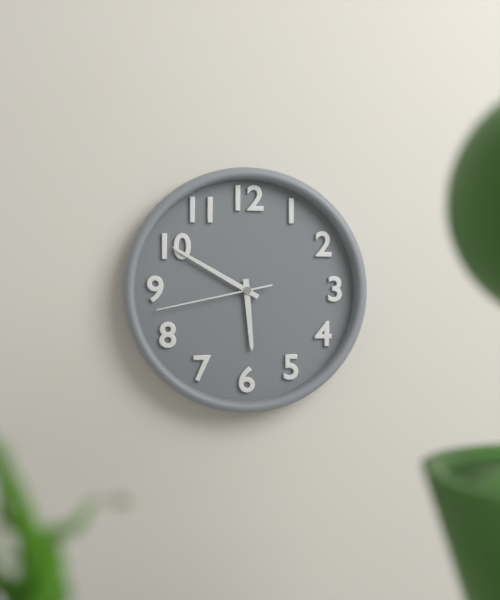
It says 5:50:43
